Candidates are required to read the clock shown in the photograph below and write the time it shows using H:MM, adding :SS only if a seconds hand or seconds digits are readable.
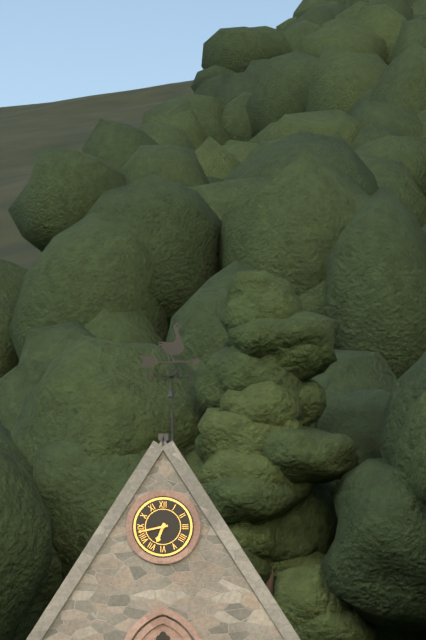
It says 6:43
